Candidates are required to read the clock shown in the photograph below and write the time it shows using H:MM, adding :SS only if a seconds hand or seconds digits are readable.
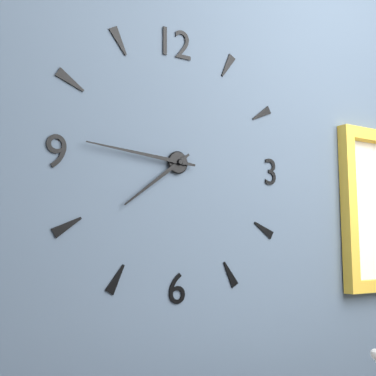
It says 7:46
